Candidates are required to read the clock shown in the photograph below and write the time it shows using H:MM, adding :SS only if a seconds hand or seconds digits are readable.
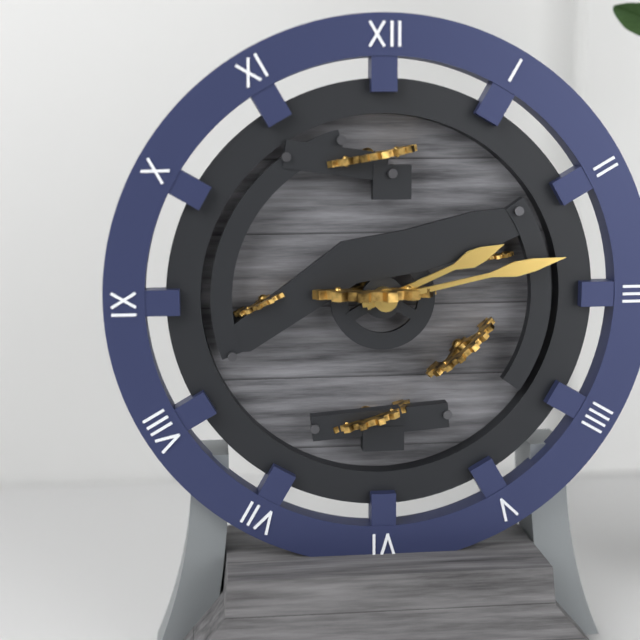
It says 2:13
